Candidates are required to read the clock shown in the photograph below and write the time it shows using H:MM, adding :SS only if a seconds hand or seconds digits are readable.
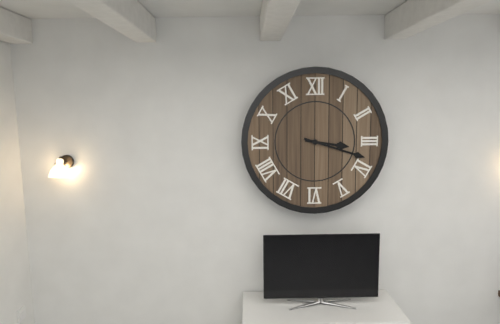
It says 3:18
